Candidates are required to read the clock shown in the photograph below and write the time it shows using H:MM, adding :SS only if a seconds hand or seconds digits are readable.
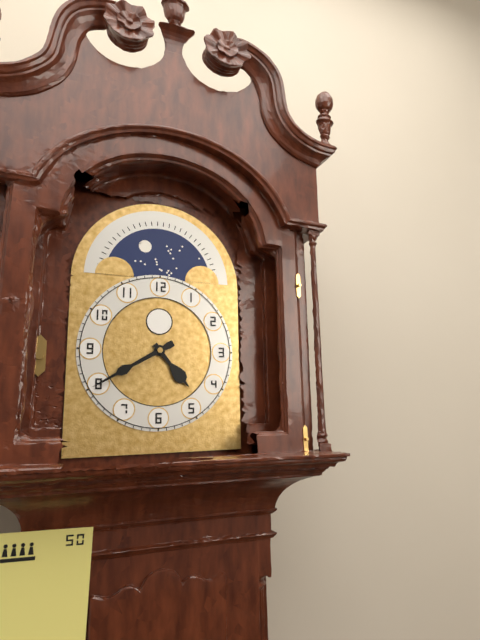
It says 4:40
